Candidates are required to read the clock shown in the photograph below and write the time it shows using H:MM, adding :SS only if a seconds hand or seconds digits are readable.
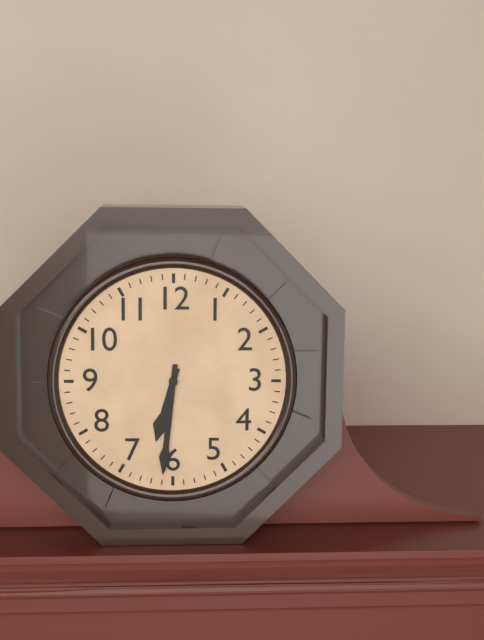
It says 6:31
